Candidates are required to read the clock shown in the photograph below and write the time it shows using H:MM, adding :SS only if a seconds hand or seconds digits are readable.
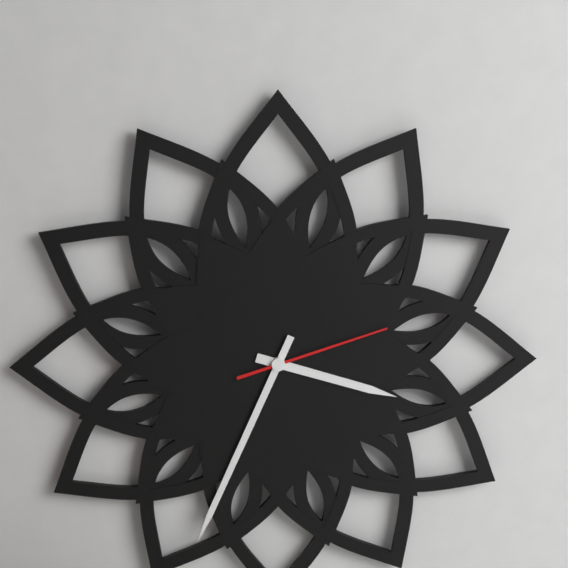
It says 3:34:12
